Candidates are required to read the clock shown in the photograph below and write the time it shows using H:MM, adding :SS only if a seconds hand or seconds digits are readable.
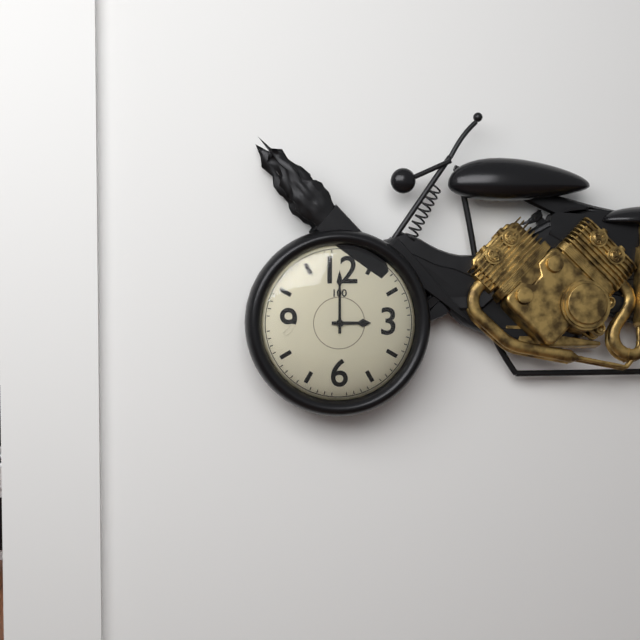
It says 3:00
